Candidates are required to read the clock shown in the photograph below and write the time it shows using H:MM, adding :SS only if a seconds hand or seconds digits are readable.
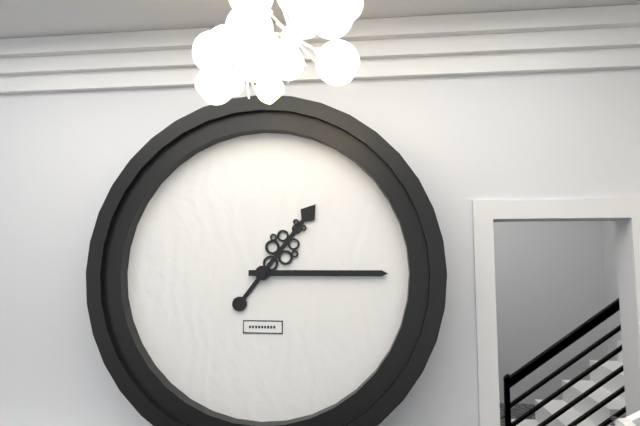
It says 1:15
